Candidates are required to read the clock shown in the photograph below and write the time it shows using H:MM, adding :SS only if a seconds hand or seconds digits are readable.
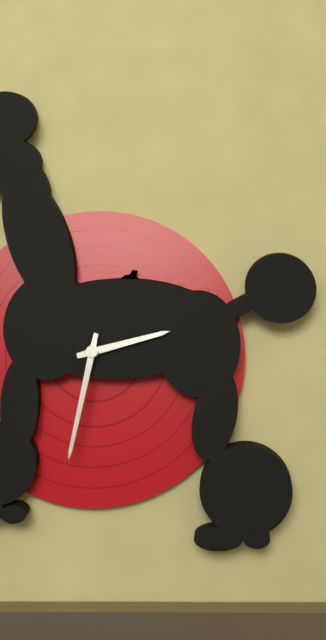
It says 2:32
